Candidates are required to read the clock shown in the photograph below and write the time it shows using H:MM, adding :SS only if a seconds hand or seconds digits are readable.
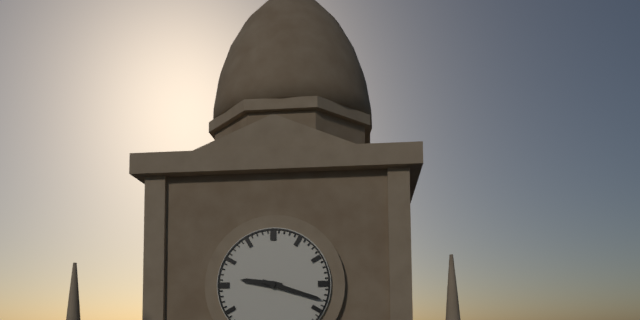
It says 9:18
